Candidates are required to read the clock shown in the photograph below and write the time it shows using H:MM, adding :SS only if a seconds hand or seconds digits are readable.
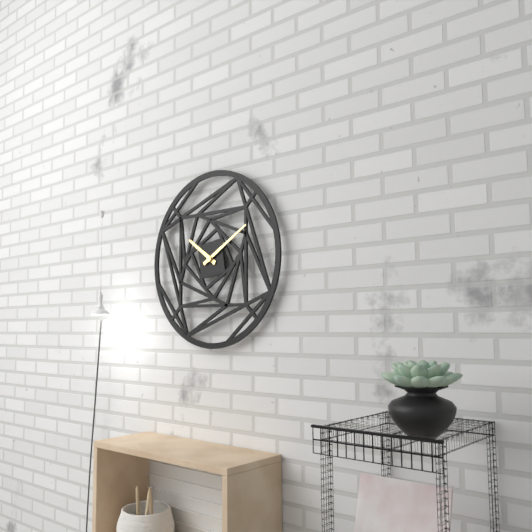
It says 10:10
